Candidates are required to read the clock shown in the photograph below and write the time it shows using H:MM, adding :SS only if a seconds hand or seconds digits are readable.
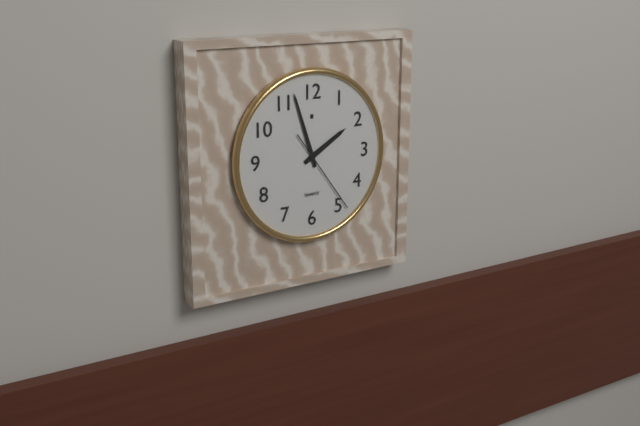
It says 1:57:24
